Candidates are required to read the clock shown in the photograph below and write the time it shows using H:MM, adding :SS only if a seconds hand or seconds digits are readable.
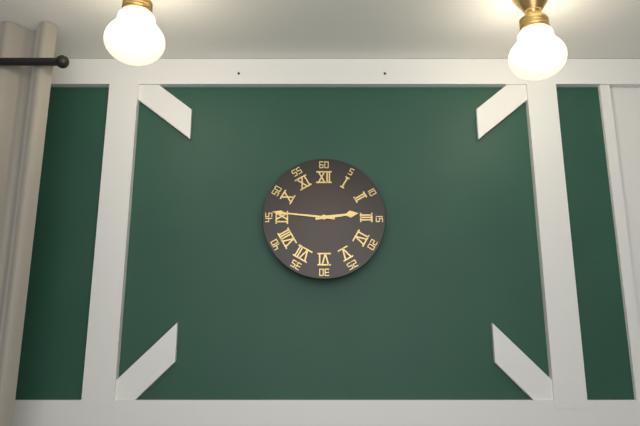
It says 2:46
